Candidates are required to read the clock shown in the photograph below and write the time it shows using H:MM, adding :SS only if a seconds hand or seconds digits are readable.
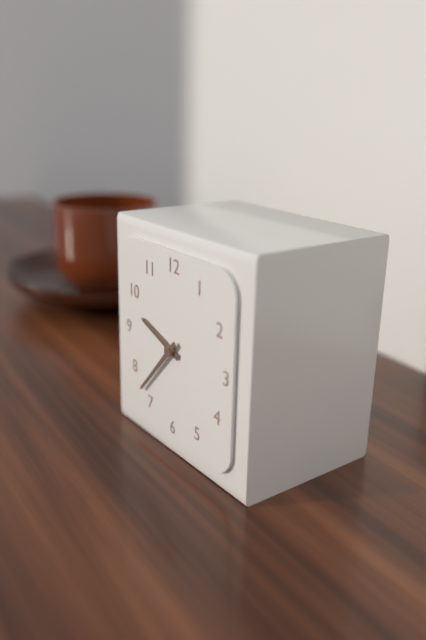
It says 9:37
